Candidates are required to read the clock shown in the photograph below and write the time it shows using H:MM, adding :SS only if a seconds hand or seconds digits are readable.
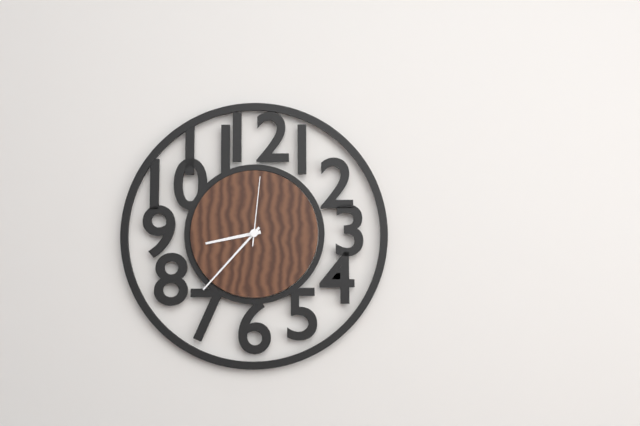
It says 8:37:01
